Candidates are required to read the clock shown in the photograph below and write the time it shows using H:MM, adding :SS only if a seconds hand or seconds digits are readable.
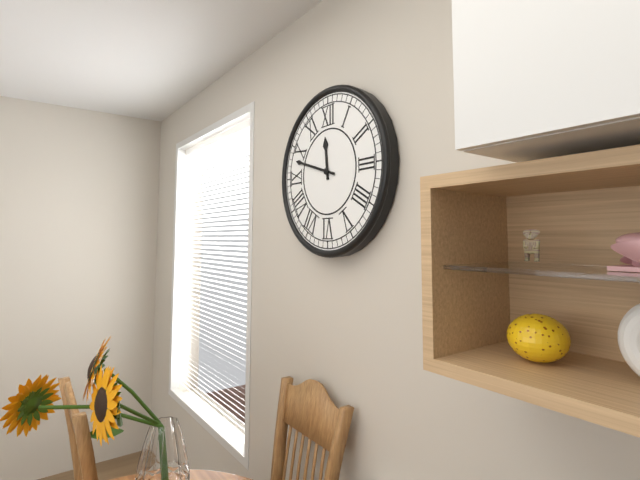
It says 11:48
